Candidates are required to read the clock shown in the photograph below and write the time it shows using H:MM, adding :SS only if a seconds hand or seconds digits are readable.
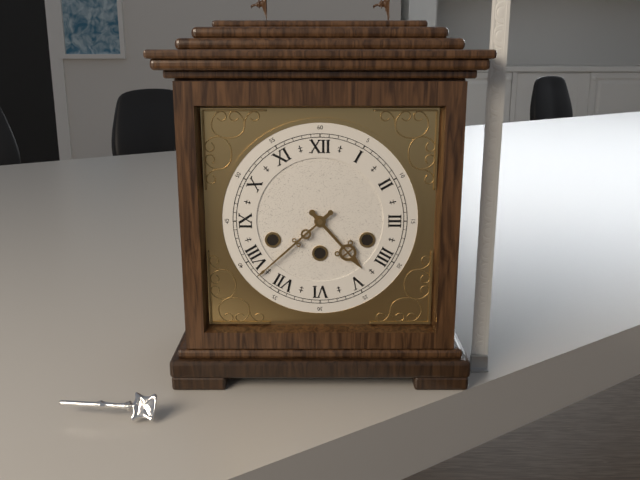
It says 4:38
